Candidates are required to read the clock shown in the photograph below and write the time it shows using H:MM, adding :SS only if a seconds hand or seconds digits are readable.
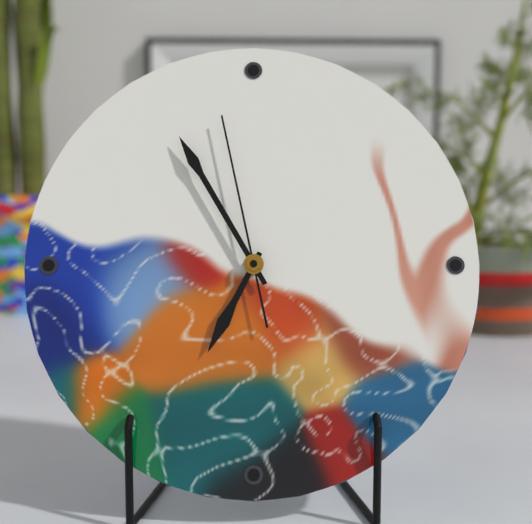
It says 6:55:58
